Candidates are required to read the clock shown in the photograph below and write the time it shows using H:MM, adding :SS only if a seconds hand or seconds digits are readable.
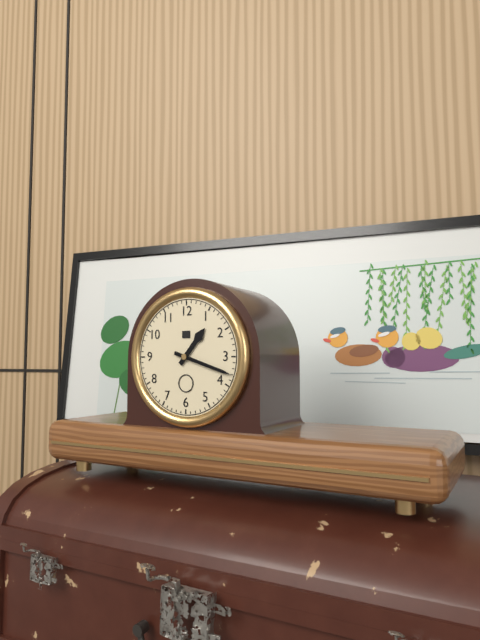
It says 1:18
